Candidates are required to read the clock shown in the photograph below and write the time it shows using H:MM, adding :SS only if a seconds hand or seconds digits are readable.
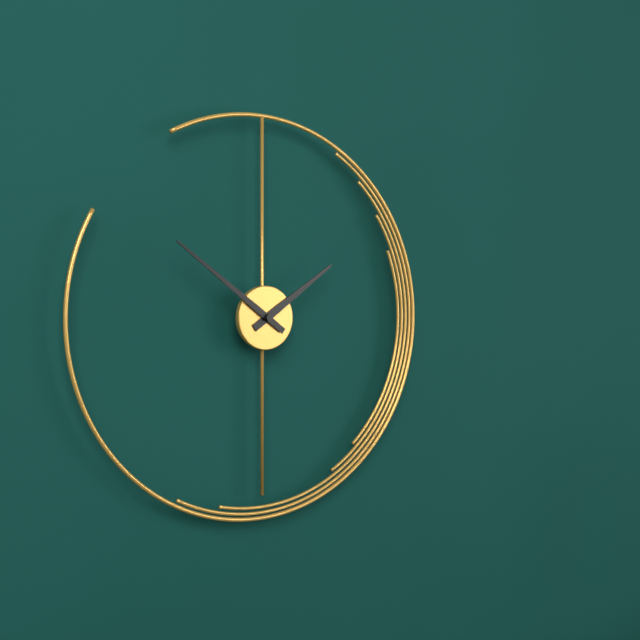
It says 1:51
